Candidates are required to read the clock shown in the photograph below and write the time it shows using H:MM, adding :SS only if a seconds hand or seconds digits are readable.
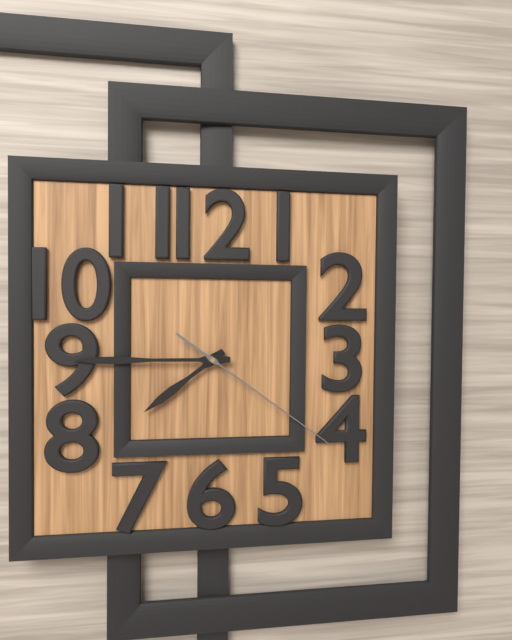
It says 7:45:21
